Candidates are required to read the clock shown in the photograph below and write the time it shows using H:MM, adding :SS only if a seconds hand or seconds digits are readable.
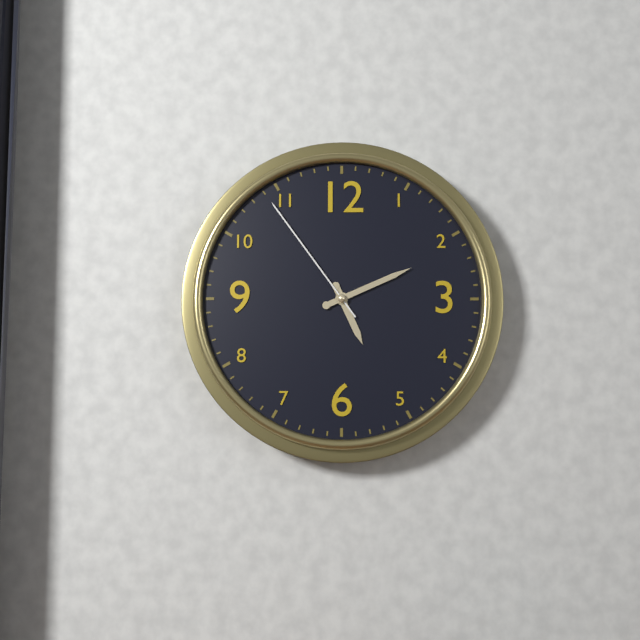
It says 5:11:54
